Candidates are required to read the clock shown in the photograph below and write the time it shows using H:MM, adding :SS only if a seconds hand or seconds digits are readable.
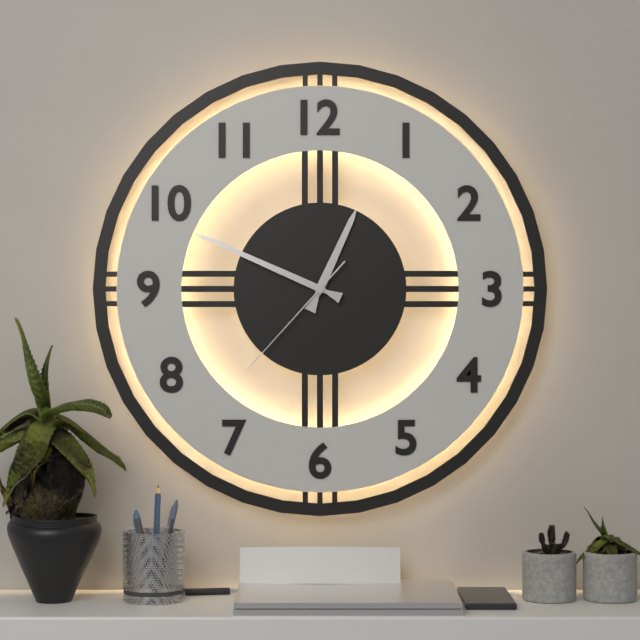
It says 12:49:37
